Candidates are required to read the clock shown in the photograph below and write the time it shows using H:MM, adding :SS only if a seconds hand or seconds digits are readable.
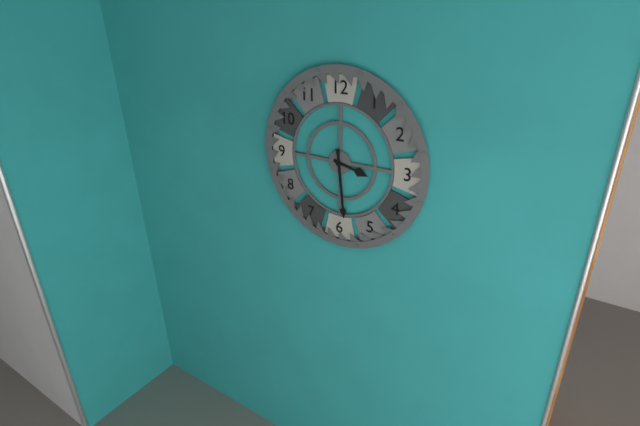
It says 3:29
